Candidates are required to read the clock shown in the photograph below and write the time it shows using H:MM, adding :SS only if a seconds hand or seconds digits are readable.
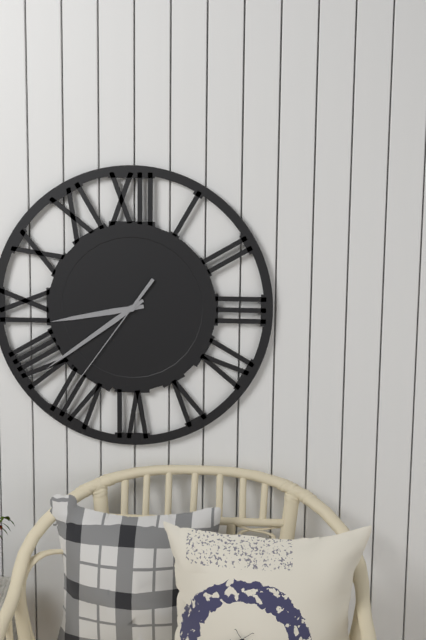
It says 8:39:36
